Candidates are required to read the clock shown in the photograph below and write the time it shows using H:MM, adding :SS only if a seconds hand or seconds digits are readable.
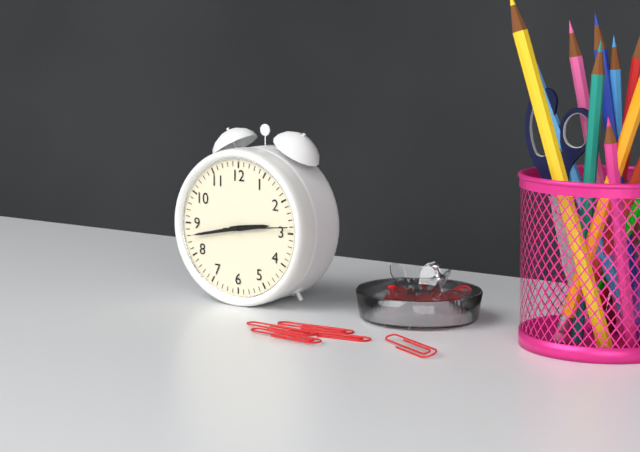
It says 2:43:14
